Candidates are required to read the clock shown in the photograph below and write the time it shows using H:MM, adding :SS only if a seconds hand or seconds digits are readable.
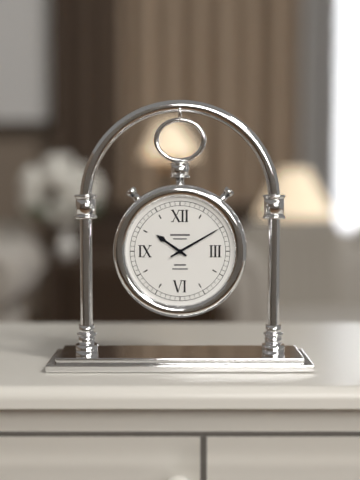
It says 10:10
